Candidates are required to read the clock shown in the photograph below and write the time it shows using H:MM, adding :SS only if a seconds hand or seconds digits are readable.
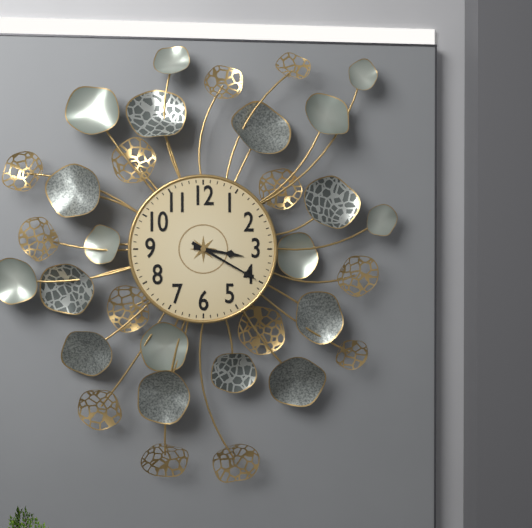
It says 3:20
